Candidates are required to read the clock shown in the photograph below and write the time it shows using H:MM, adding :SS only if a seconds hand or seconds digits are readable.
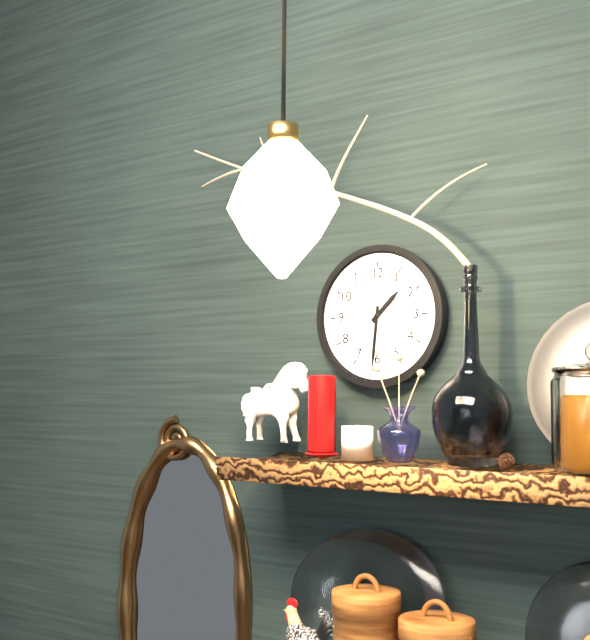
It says 1:31
